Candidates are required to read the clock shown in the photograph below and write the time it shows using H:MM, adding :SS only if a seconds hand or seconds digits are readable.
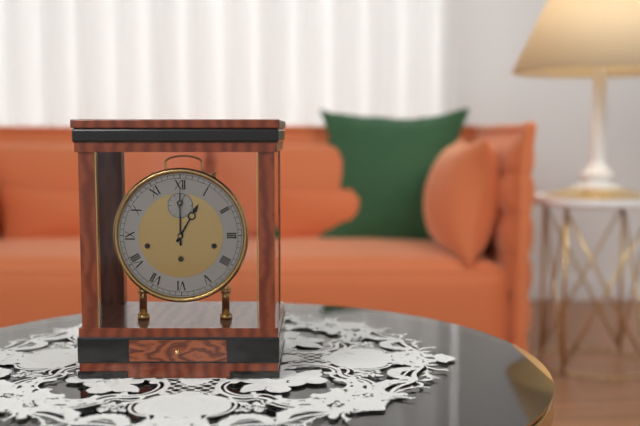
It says 1:00
